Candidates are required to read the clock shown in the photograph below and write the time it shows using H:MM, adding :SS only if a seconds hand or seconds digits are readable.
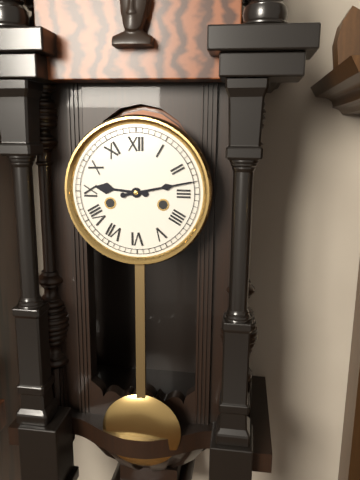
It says 9:13
